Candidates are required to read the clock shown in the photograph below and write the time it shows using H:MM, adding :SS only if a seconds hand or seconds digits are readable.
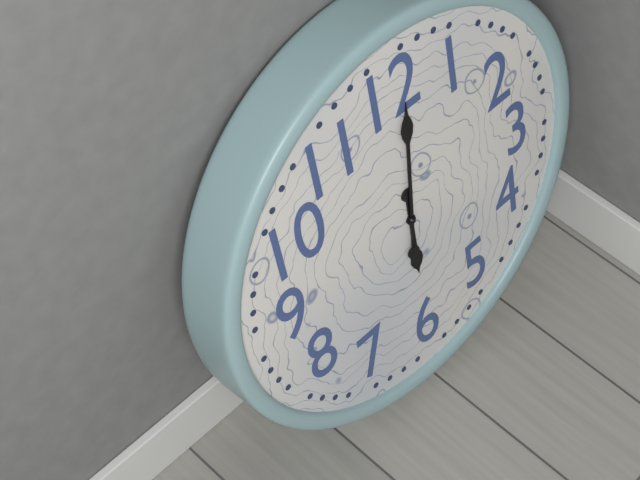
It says 6:01
